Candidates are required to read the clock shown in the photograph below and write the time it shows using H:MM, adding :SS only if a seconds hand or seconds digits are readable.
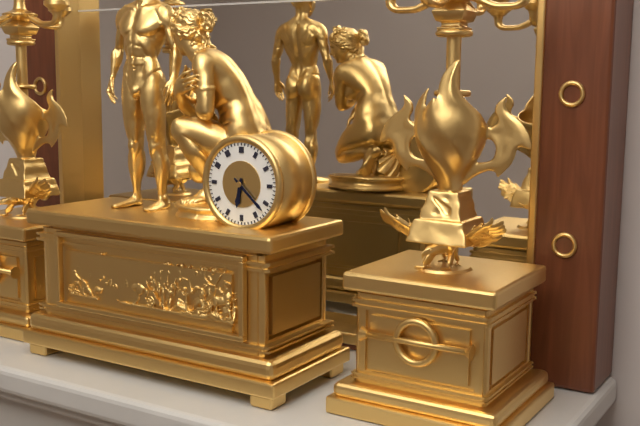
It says 6:22
